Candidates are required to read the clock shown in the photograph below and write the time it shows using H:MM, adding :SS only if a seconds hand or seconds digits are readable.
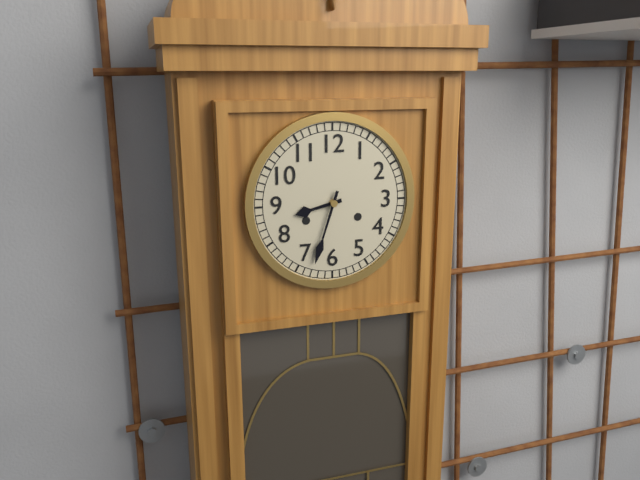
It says 8:33
